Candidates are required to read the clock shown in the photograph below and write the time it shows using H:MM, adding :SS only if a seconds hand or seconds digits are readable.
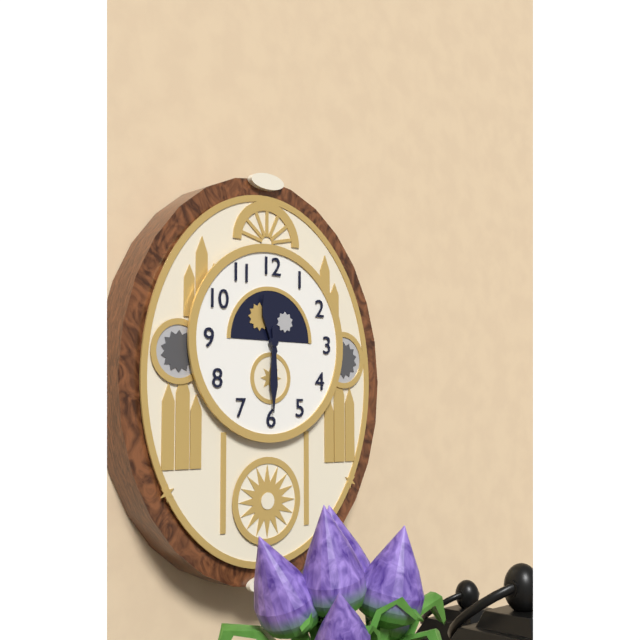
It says 11:30
